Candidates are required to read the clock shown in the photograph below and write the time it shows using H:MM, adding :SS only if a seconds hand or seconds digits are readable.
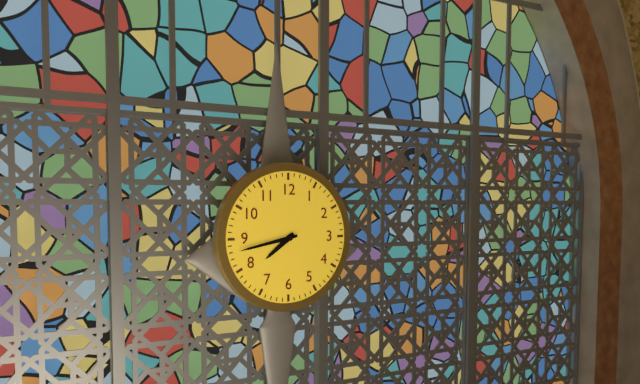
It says 7:43
